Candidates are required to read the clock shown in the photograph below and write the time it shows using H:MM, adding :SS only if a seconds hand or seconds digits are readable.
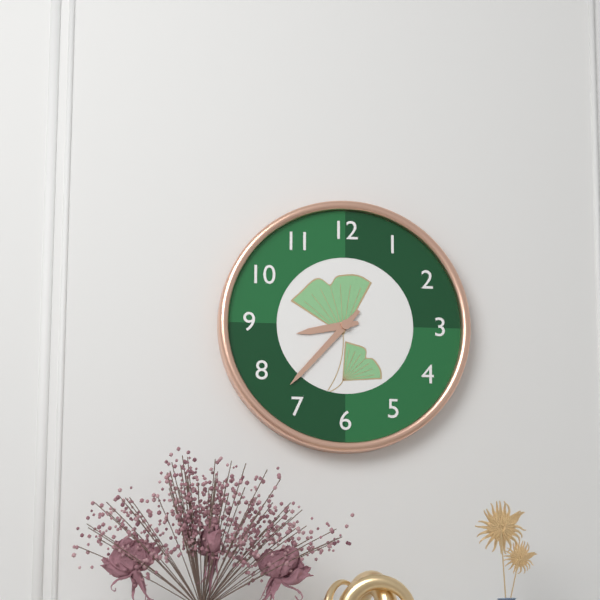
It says 8:37
